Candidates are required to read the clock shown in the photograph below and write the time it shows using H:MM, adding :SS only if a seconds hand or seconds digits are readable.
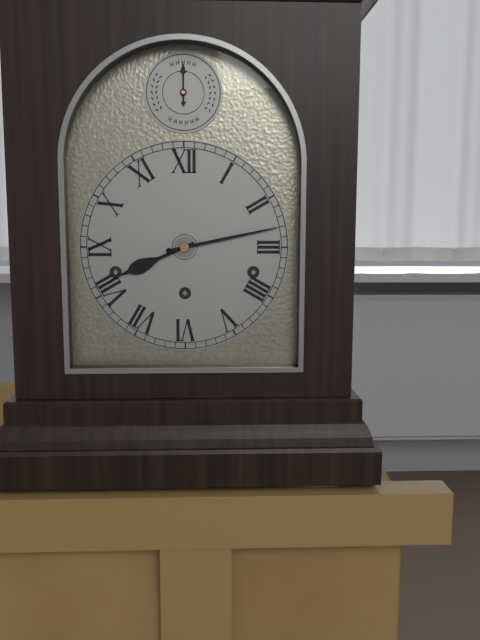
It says 8:13
